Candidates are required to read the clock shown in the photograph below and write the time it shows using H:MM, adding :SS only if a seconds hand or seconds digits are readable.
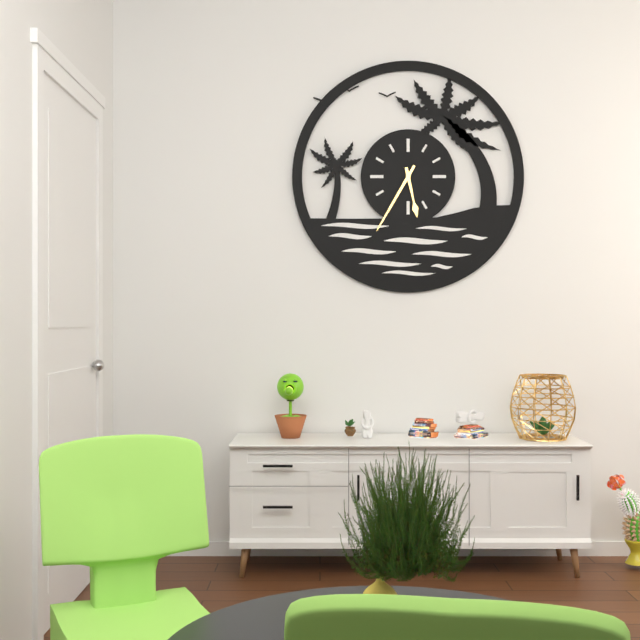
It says 5:35
